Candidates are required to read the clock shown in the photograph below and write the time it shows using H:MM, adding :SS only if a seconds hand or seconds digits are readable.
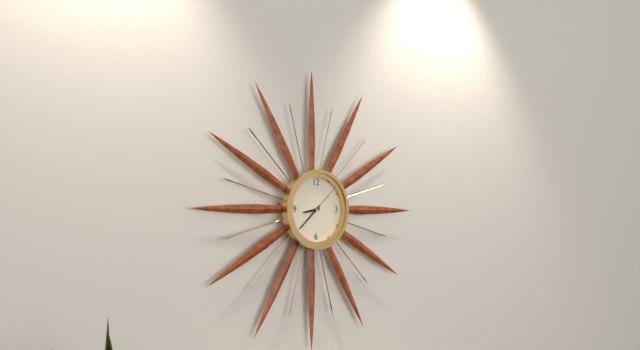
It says 8:38
